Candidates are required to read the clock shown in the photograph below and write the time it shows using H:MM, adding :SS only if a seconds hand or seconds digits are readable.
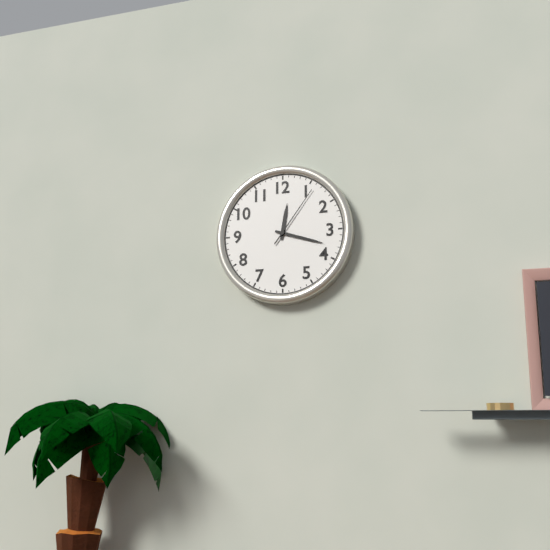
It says 12:18:06
